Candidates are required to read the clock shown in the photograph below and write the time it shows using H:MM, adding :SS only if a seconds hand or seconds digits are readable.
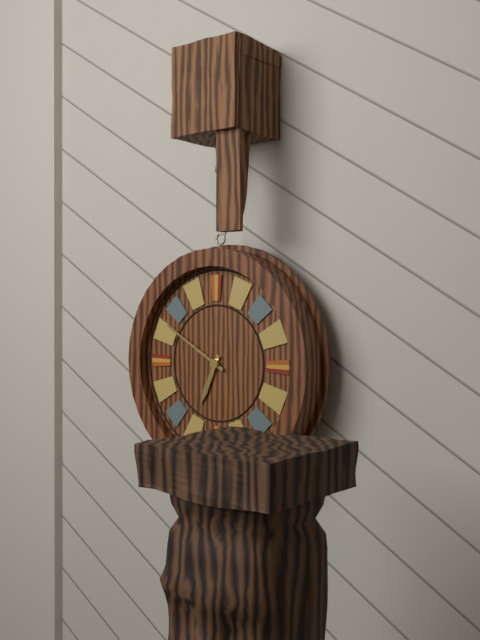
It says 6:50
